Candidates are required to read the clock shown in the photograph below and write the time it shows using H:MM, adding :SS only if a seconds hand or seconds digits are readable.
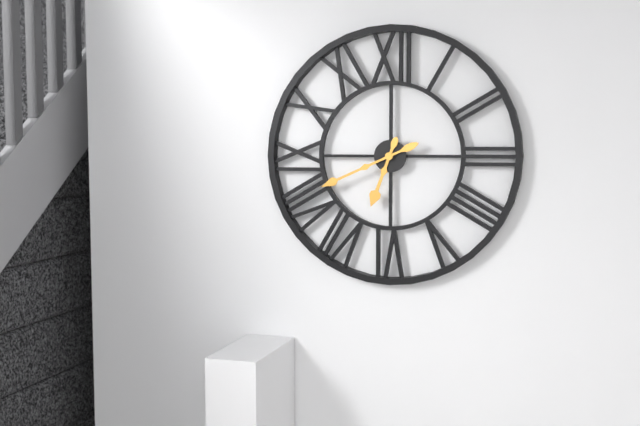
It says 6:41
